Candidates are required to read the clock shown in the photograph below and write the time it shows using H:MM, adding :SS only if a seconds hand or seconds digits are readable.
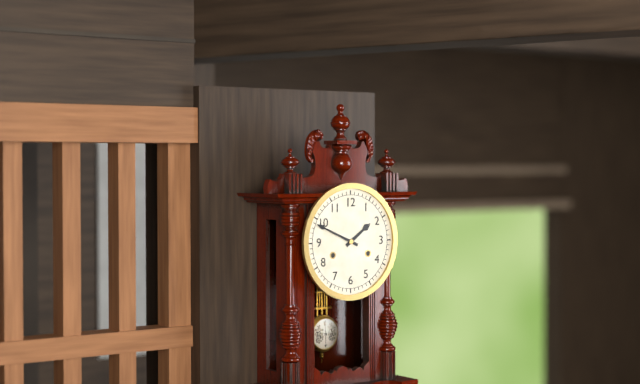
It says 1:49
